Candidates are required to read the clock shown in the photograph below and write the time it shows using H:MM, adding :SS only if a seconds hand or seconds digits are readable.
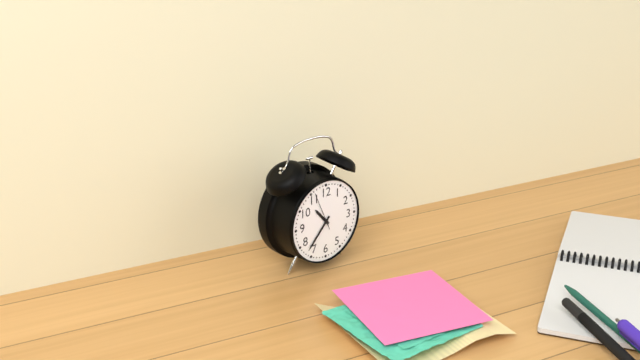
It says 10:37
